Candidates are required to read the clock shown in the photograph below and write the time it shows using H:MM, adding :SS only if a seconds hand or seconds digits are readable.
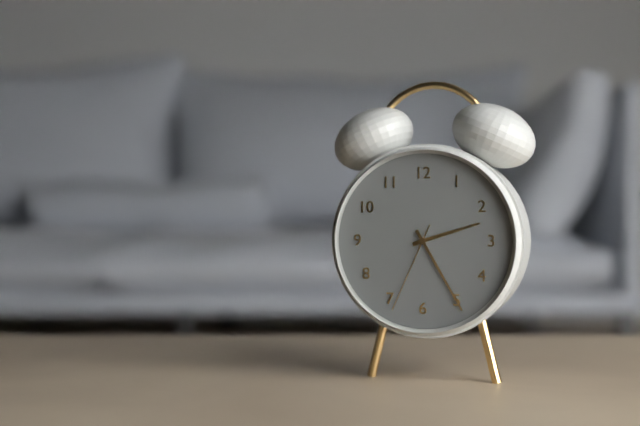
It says 2:25:34
